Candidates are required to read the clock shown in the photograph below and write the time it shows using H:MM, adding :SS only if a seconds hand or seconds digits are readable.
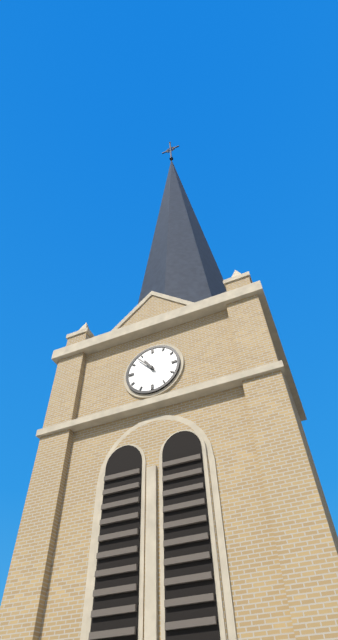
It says 10:53
